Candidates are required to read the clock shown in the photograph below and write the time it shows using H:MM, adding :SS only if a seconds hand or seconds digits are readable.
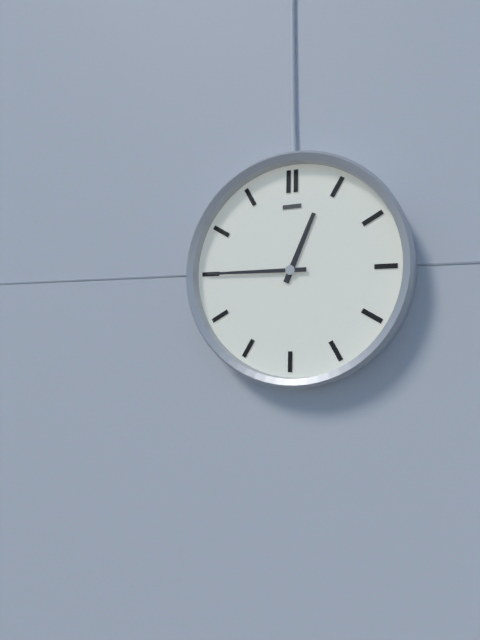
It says 12:45
